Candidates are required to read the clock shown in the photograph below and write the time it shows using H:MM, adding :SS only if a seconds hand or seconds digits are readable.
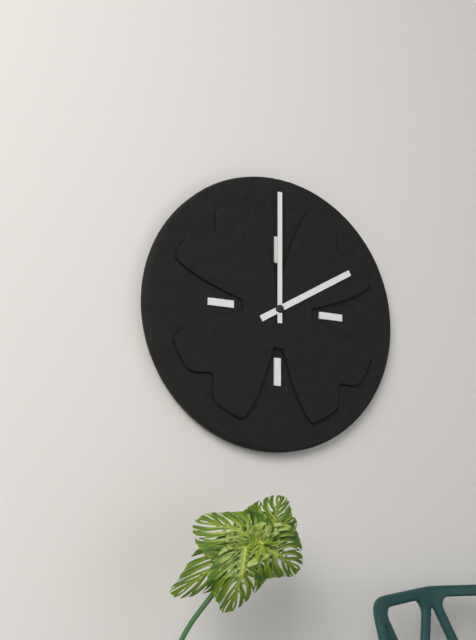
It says 2:00
